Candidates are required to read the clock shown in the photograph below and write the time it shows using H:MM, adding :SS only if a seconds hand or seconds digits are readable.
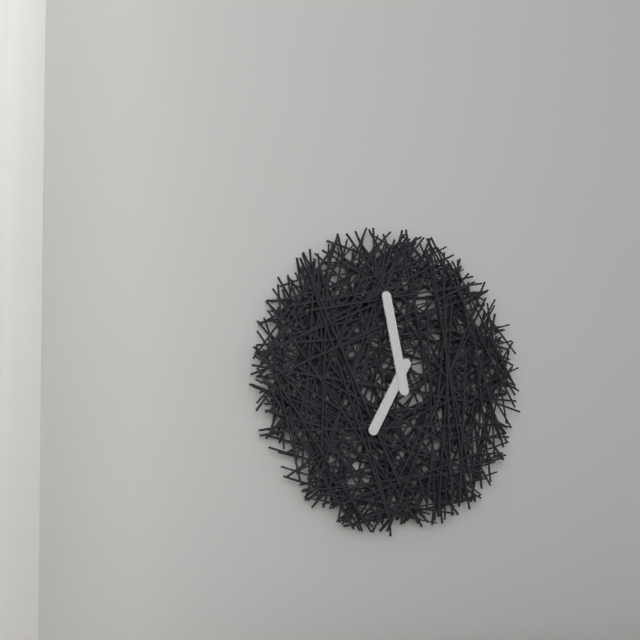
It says 6:58
